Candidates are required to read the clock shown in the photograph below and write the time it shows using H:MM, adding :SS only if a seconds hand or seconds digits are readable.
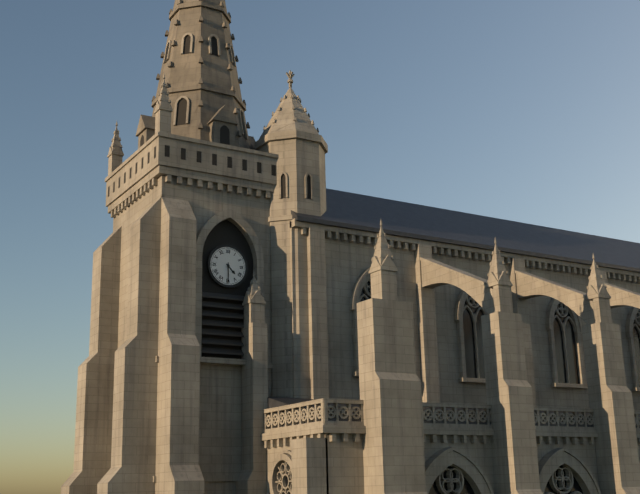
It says 4:30
